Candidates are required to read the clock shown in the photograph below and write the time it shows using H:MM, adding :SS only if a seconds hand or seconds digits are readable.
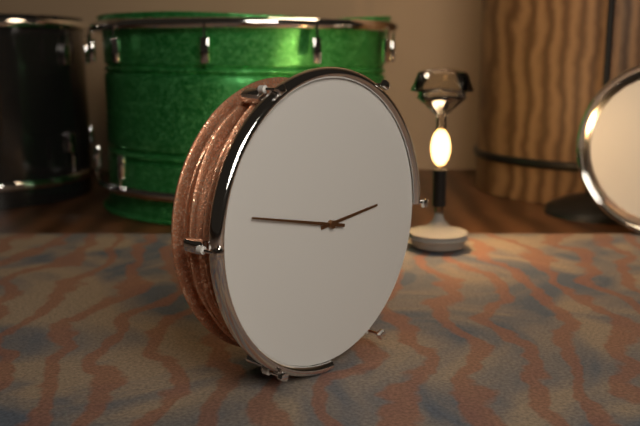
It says 2:47
